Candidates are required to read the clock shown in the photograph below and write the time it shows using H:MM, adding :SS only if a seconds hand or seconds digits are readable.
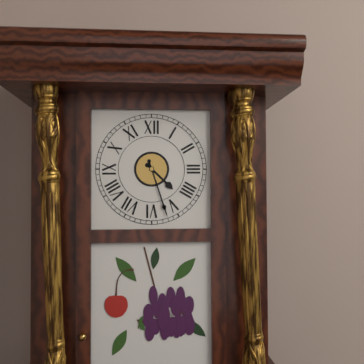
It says 4:27
